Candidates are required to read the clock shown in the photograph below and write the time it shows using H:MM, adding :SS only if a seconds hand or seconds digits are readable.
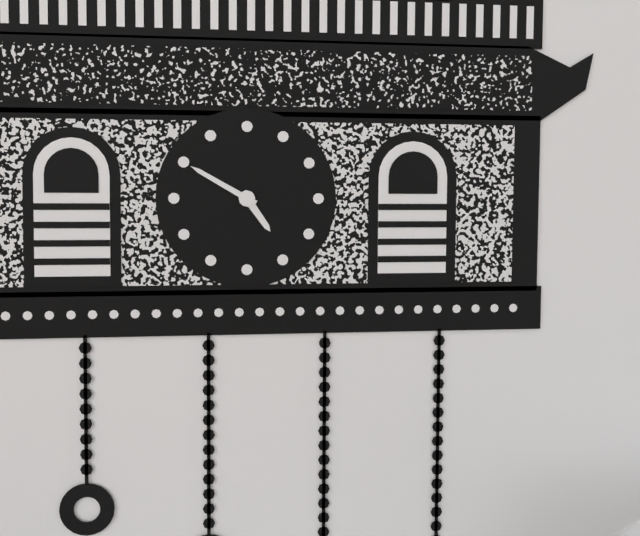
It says 4:50
